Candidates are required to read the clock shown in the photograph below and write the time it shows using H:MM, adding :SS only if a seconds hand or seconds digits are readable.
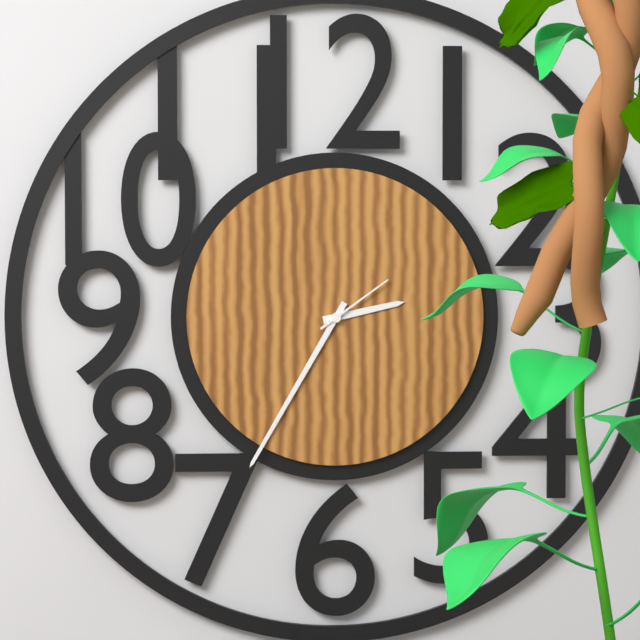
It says 2:35:09
